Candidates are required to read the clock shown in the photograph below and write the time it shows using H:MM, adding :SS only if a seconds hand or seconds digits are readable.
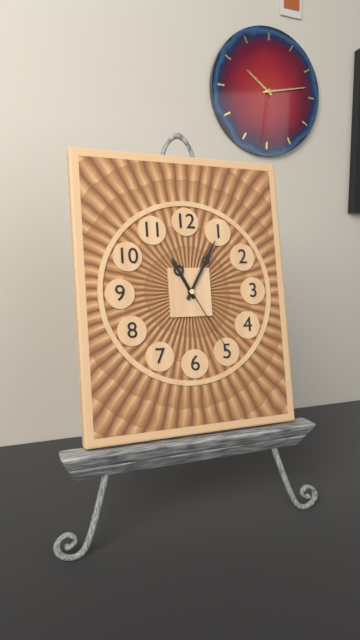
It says 11:05:25
